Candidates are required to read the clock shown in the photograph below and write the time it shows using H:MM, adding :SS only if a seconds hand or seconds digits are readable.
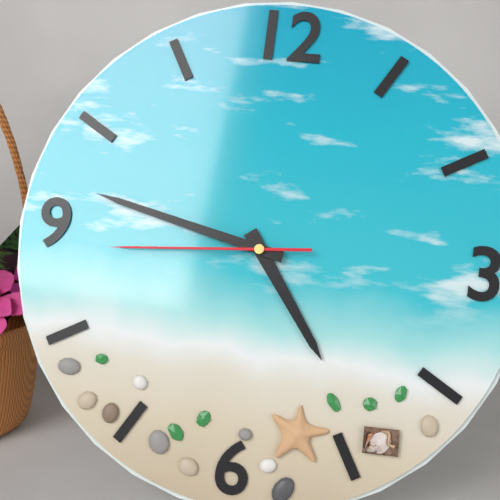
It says 4:47:44
